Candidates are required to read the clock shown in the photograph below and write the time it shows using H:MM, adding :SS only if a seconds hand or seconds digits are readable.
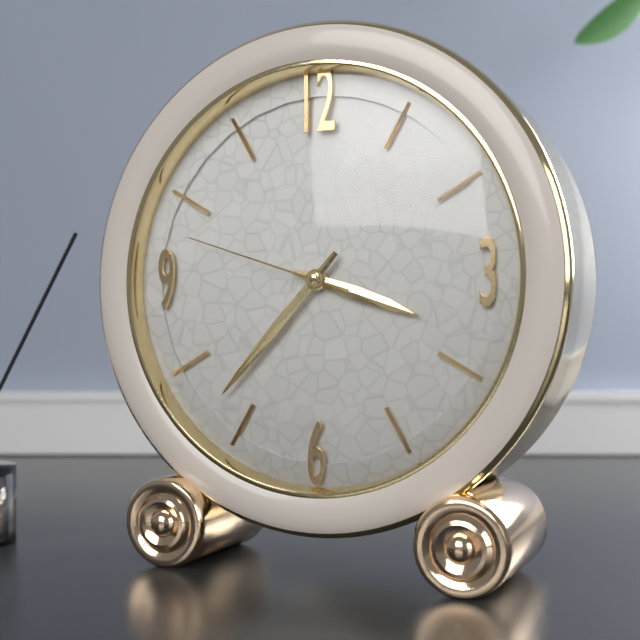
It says 3:37:48
